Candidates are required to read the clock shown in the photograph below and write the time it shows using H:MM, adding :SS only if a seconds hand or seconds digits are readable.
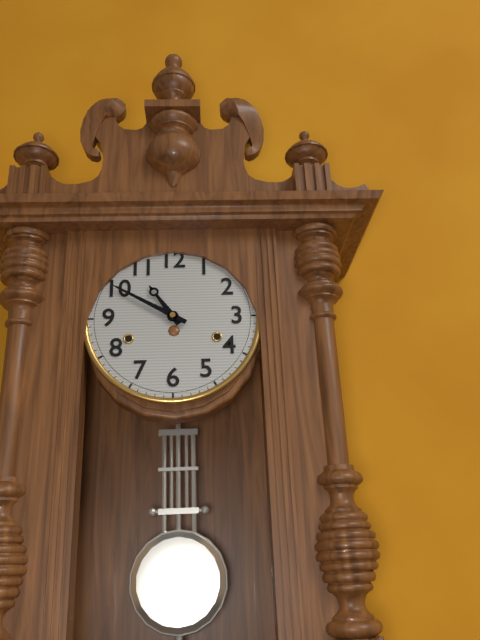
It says 10:50
